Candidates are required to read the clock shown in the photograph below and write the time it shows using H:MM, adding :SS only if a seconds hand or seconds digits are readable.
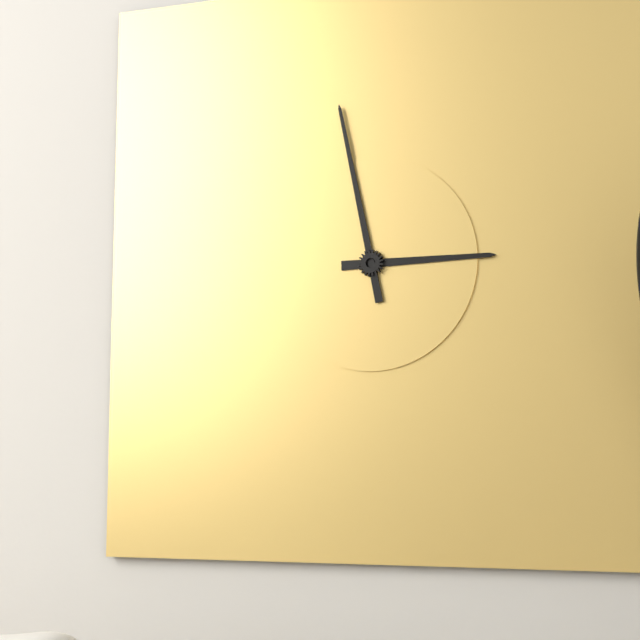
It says 2:58
